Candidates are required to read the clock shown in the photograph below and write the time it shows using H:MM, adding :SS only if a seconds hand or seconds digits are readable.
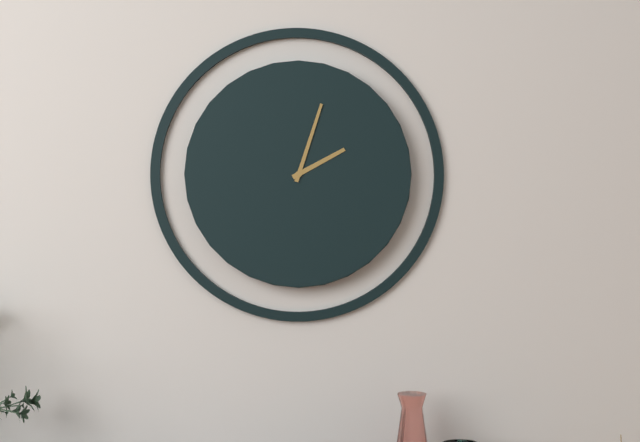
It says 2:03
